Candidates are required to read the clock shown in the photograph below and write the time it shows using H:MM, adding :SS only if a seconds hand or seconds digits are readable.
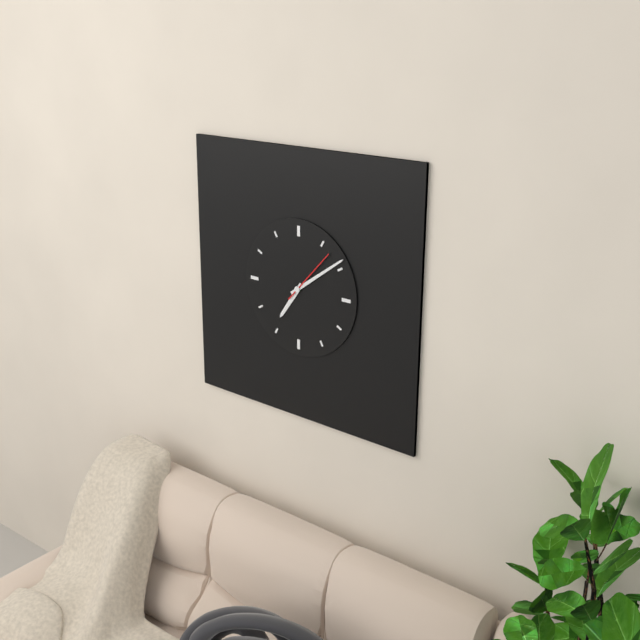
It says 7:09:07
